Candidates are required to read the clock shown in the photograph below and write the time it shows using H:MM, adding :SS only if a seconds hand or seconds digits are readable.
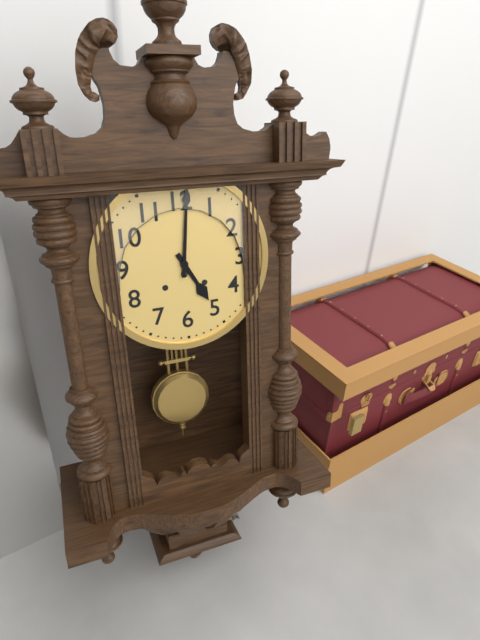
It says 5:01
